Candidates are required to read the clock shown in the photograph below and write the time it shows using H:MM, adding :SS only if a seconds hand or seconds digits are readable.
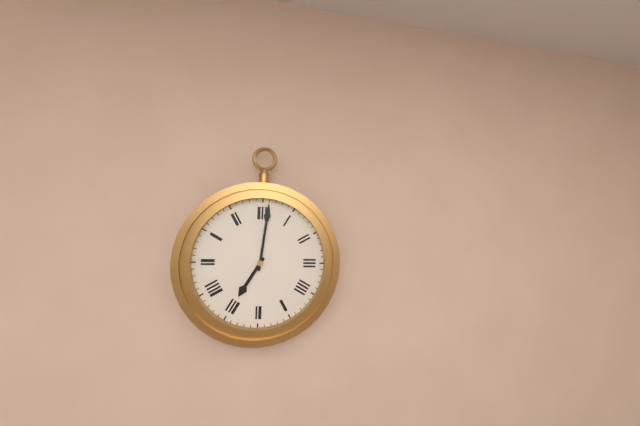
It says 7:01
